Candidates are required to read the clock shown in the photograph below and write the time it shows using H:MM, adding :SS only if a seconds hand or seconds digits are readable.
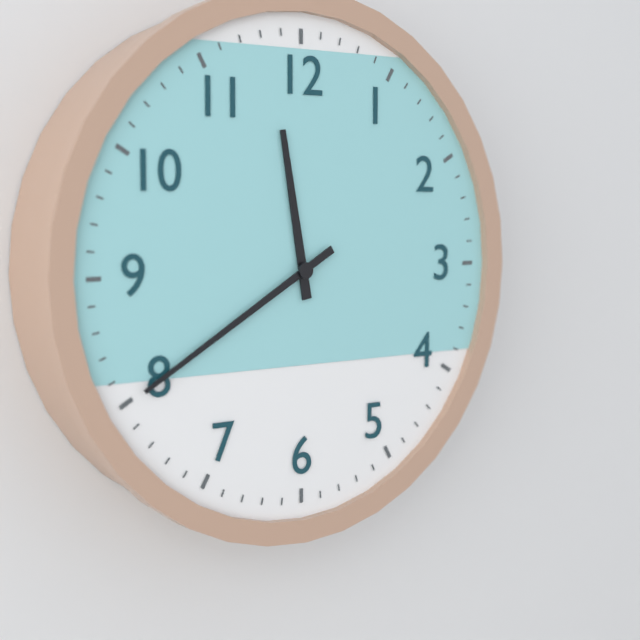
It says 11:40
